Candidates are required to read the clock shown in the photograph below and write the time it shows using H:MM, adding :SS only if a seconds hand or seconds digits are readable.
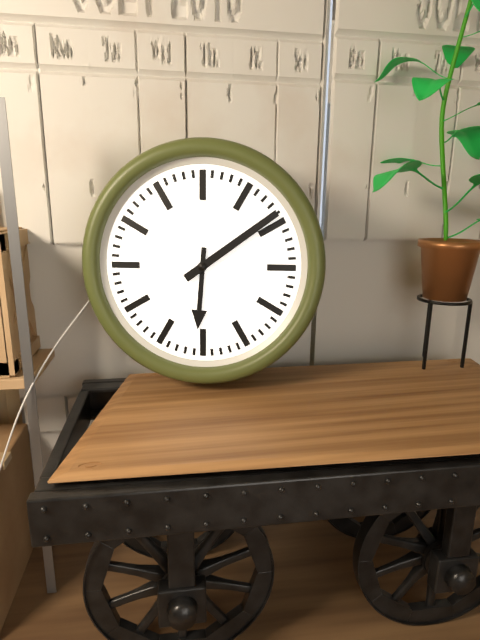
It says 6:09
